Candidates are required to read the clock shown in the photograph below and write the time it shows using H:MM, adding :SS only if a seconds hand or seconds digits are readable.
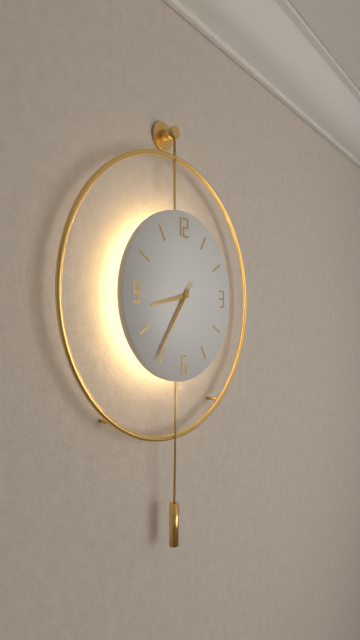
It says 8:36:36
